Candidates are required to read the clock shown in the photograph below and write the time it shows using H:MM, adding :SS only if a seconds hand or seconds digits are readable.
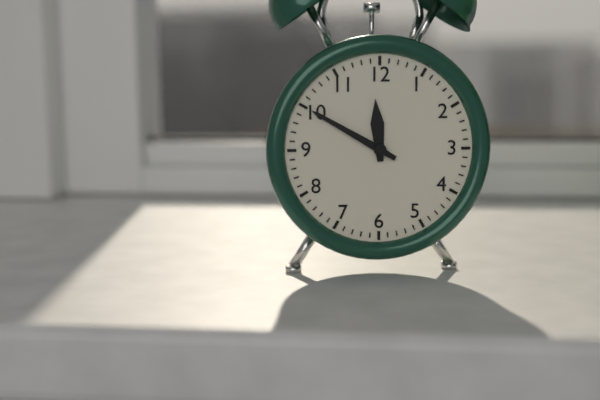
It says 11:50
